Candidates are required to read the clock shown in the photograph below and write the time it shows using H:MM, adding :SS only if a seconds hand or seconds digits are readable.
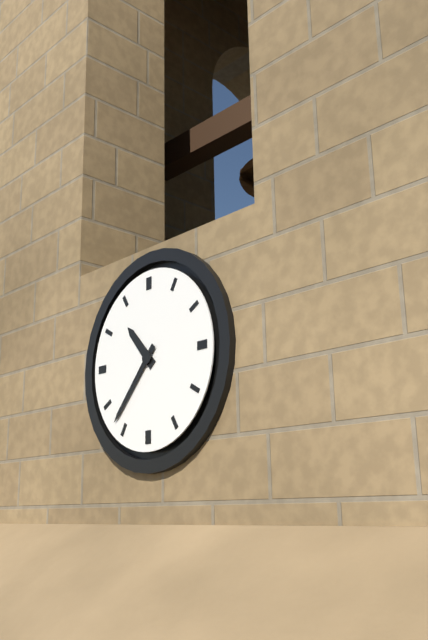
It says 10:37
